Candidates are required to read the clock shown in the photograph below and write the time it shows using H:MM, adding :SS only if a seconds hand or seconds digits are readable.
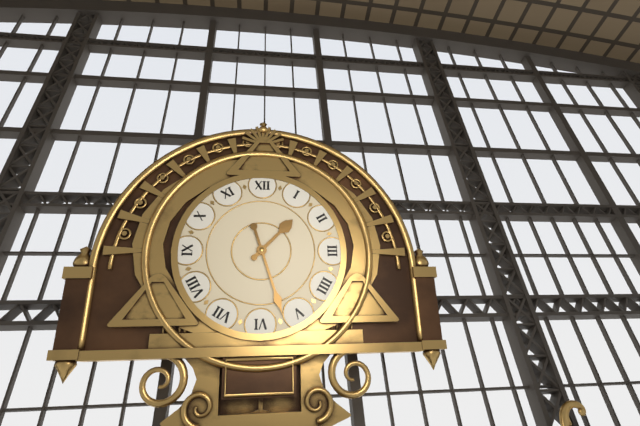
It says 1:27
